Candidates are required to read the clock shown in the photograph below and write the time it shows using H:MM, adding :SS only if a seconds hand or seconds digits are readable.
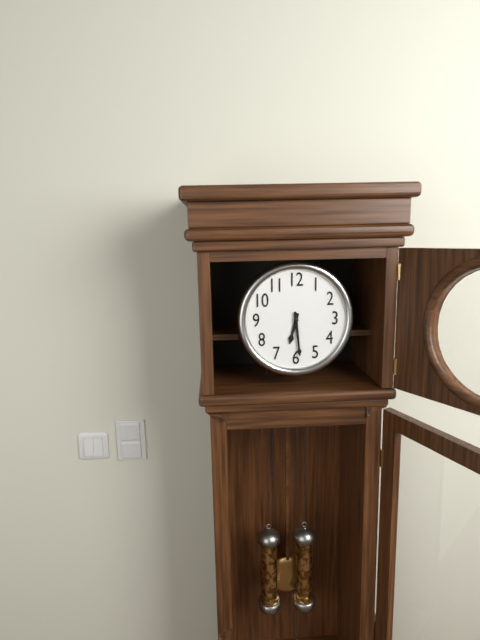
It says 6:29
